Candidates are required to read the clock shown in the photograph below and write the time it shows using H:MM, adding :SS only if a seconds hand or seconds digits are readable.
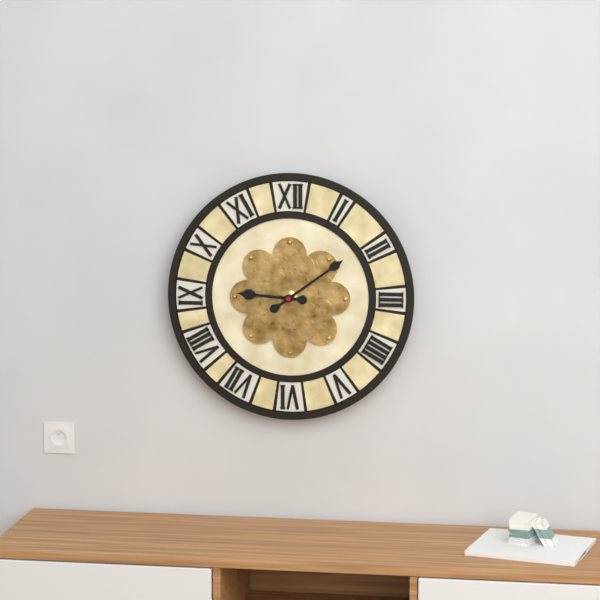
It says 9:09
